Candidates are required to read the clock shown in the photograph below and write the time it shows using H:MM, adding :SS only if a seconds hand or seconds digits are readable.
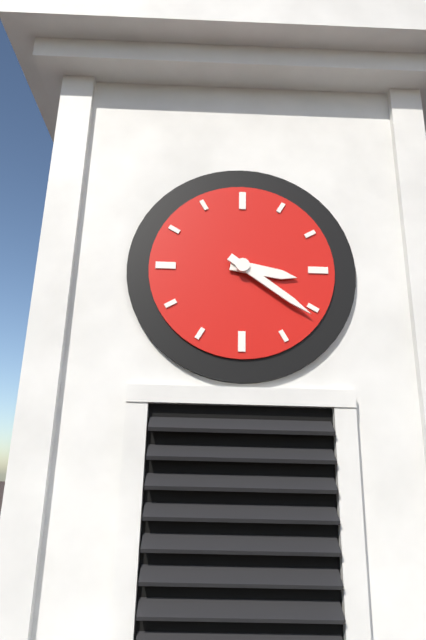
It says 3:21
